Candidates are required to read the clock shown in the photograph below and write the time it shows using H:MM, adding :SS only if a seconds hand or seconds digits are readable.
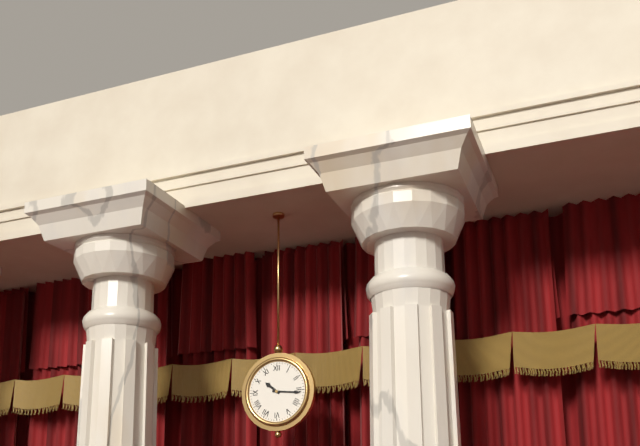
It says 10:16
